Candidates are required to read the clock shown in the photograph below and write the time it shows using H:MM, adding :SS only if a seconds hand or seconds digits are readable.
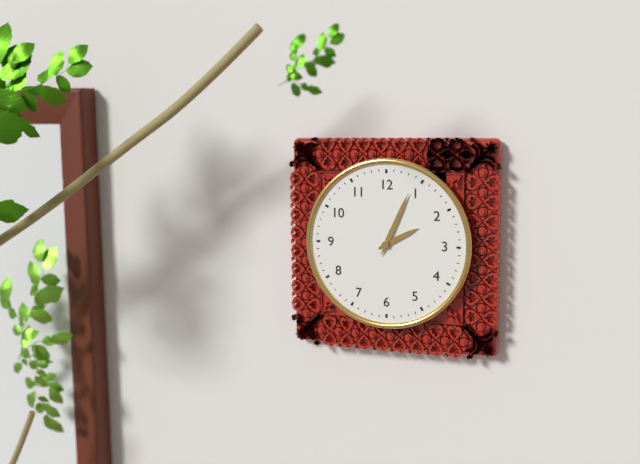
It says 2:04
